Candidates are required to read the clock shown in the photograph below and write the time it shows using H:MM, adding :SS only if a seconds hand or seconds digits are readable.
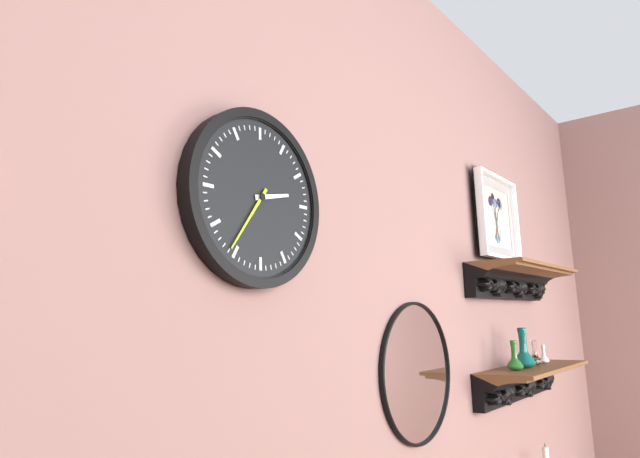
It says 2:36
